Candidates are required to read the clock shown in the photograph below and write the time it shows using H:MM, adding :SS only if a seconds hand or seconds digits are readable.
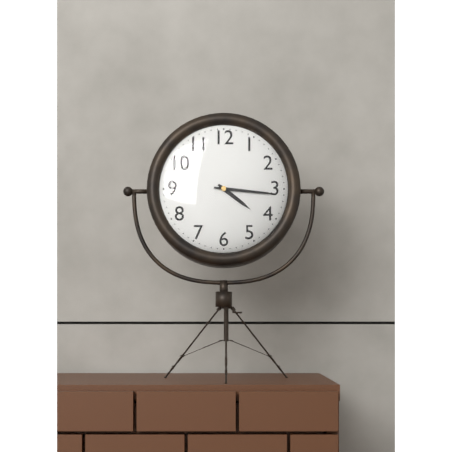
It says 4:16
